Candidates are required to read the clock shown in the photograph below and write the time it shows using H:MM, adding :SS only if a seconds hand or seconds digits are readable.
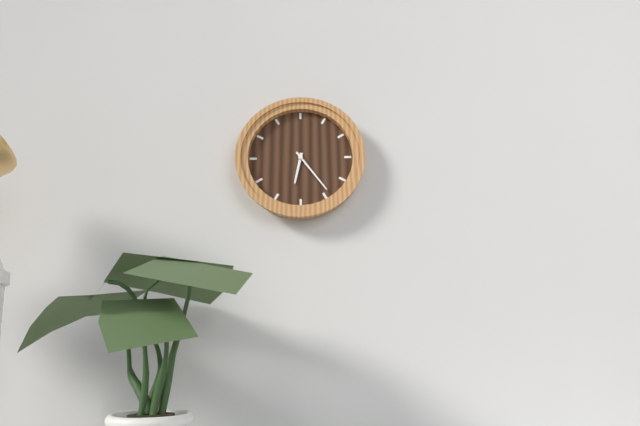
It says 6:24
